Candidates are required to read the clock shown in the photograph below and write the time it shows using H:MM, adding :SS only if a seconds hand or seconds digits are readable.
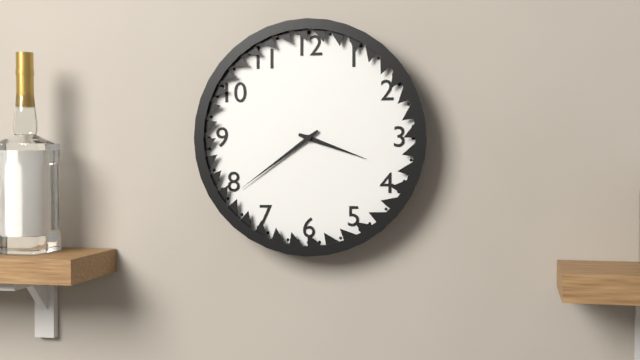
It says 3:39
